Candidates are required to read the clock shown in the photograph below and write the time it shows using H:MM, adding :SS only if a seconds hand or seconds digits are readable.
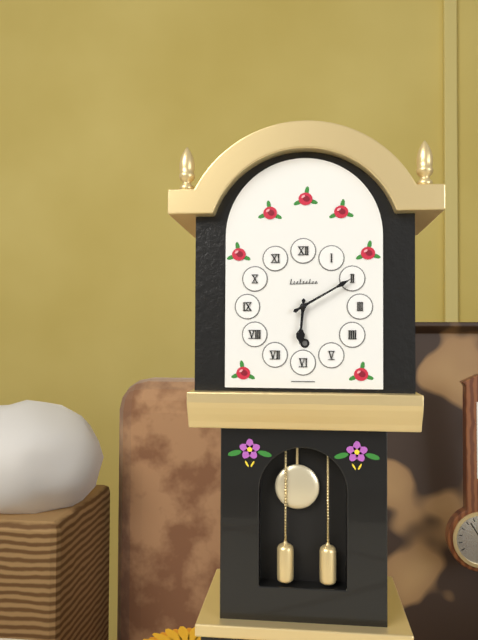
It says 6:10
